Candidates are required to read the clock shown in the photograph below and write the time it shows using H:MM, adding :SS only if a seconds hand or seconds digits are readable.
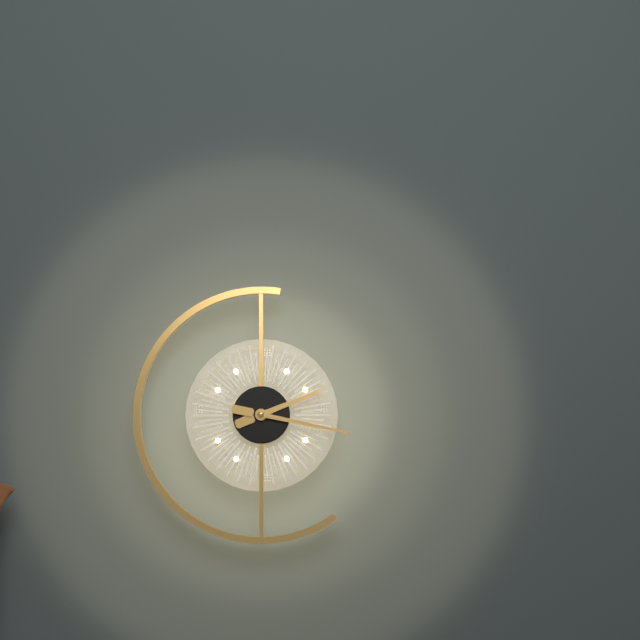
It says 2:17
